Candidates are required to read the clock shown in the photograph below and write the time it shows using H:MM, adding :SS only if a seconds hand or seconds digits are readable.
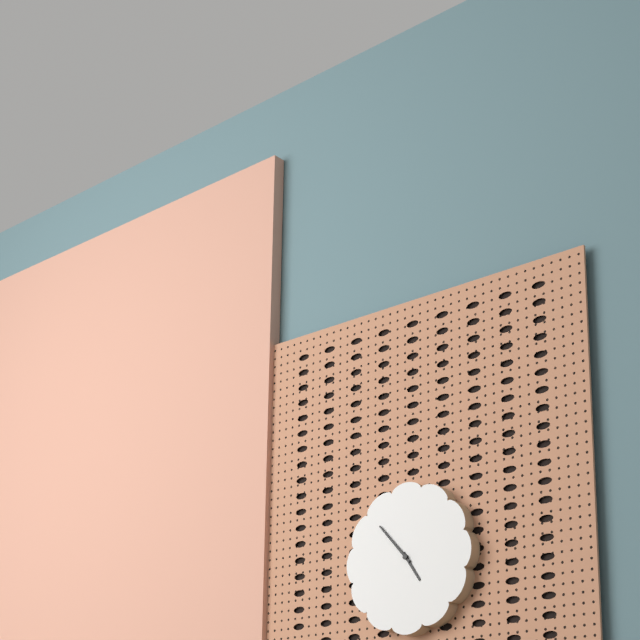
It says 4:53
